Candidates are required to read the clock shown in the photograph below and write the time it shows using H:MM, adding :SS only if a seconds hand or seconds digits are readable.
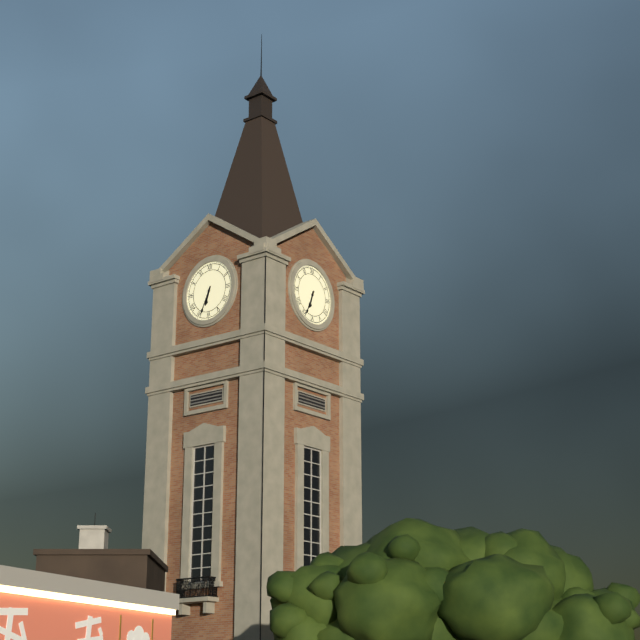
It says 6:34
